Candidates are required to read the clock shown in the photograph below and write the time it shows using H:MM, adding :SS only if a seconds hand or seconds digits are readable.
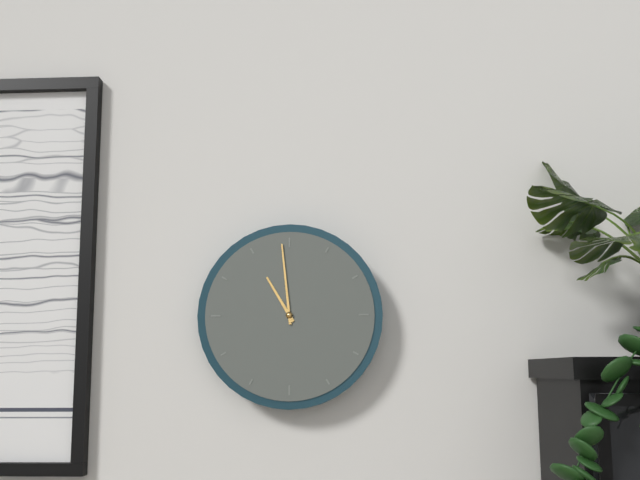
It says 10:59
